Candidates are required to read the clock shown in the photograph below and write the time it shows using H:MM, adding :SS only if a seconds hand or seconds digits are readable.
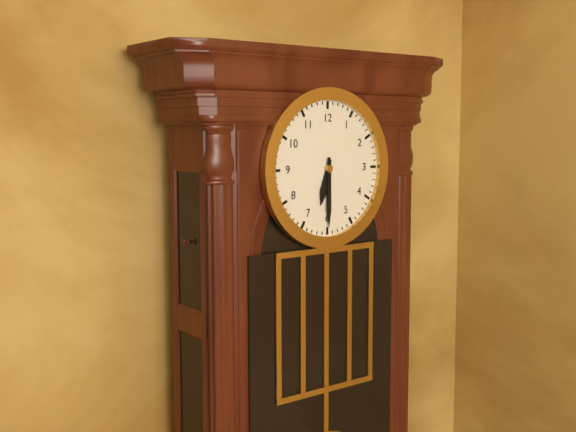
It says 6:30
